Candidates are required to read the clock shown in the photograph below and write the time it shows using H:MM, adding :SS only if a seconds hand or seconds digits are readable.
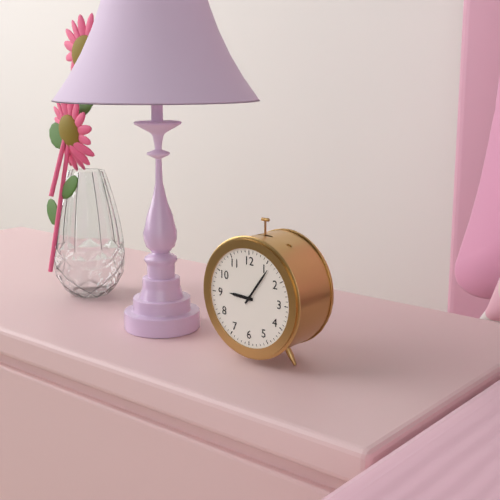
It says 9:06
